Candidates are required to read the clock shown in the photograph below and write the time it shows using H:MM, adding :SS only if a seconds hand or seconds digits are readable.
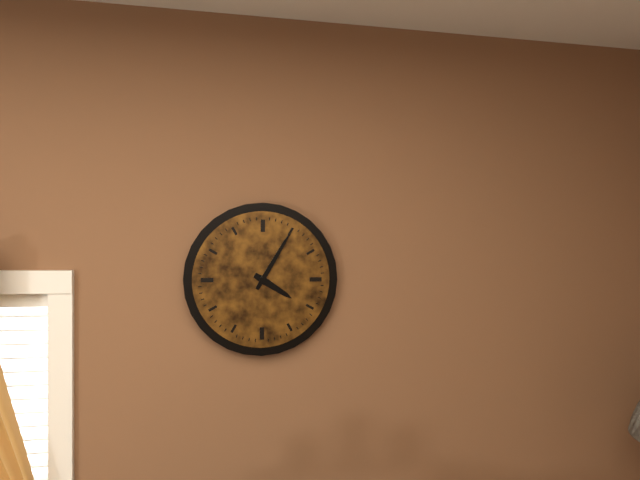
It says 4:05
